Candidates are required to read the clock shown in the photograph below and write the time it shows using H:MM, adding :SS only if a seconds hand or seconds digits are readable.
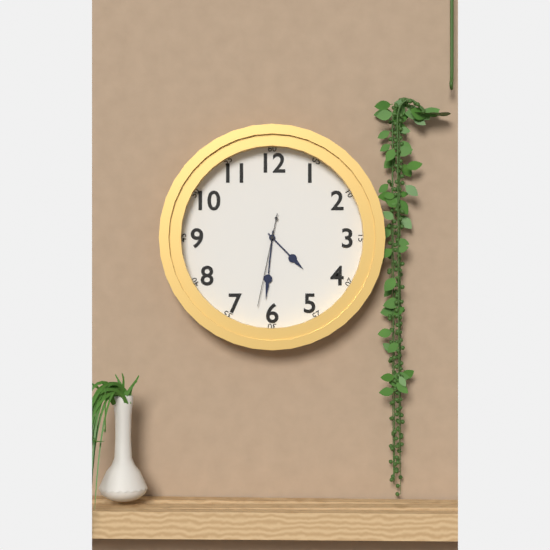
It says 4:31:32
